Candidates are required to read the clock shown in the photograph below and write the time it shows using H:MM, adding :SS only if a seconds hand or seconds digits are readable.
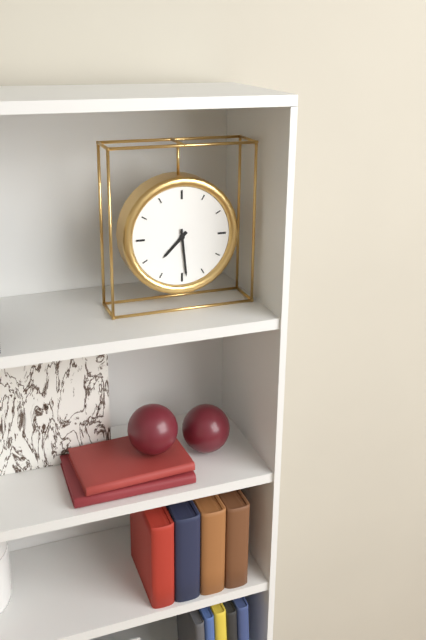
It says 7:29
